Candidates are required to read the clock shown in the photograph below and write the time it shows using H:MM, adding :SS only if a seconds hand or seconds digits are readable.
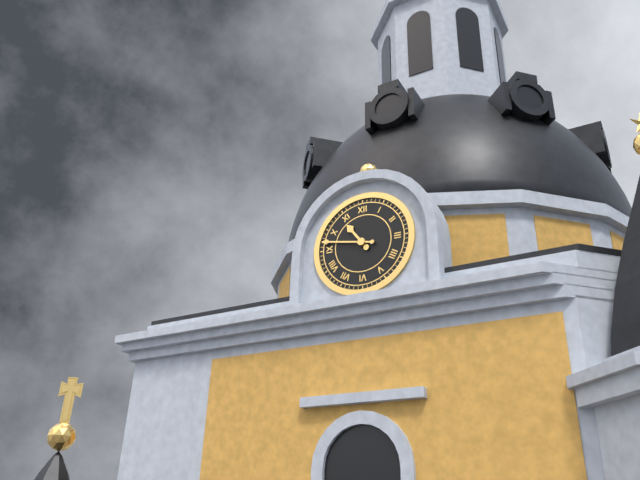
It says 10:47
